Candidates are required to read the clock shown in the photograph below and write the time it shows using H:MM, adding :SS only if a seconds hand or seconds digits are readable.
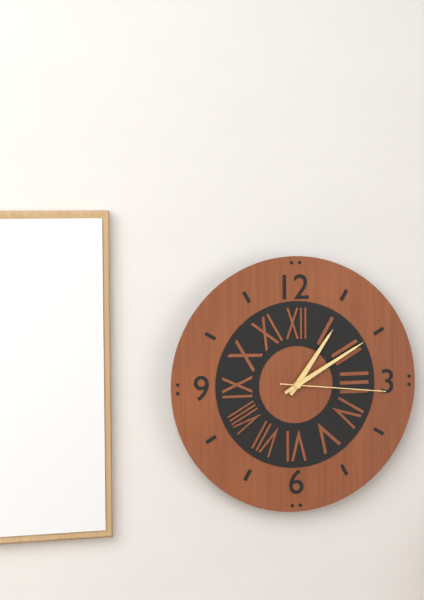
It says 1:10:16
